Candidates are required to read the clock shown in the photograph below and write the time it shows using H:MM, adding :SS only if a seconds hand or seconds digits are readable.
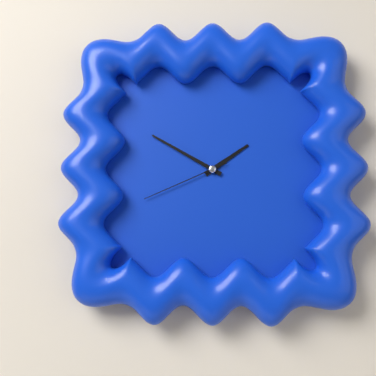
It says 1:50:41
